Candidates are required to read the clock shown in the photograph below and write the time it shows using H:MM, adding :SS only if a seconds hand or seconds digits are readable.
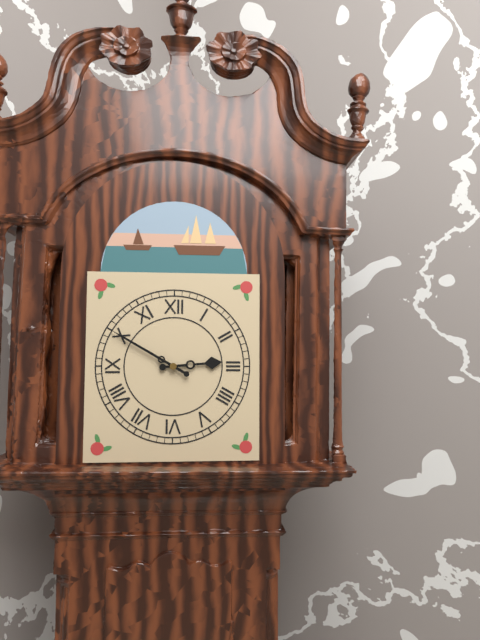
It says 2:50
